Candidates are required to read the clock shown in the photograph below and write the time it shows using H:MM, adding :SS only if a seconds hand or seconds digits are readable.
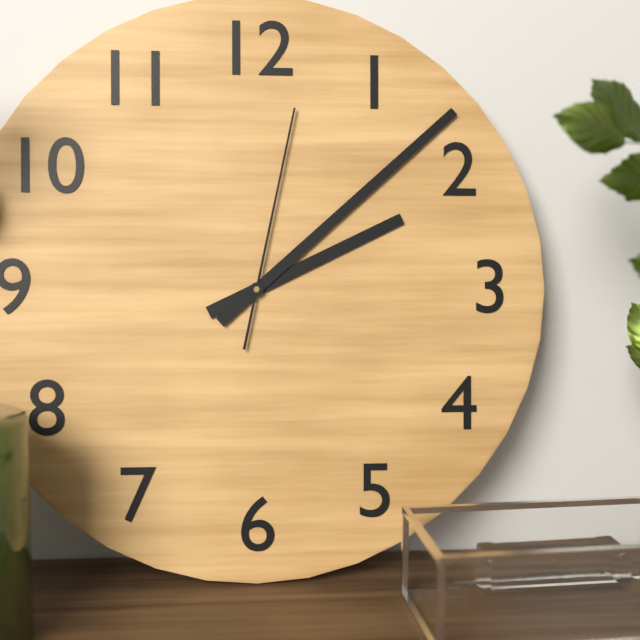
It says 2:08:02
